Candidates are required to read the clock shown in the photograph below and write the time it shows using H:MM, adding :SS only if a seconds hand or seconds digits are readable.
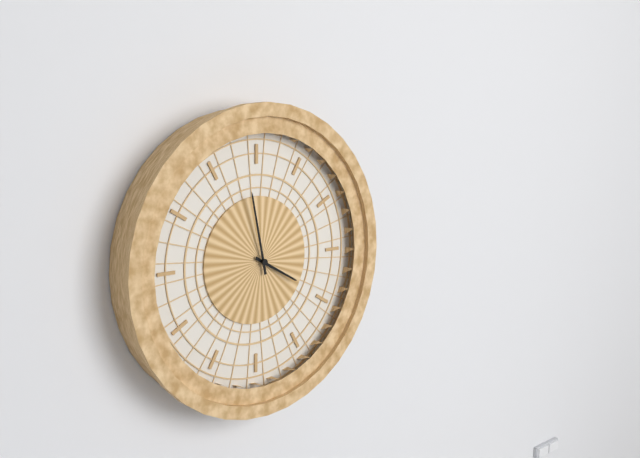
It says 3:58
